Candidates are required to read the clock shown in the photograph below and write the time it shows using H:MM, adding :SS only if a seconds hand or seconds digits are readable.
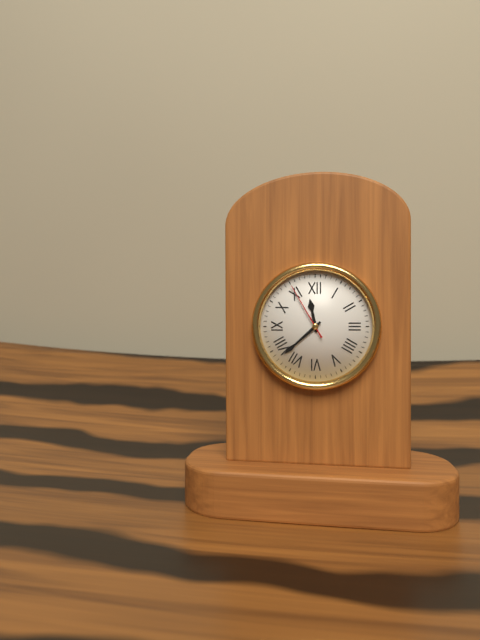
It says 11:38:55
